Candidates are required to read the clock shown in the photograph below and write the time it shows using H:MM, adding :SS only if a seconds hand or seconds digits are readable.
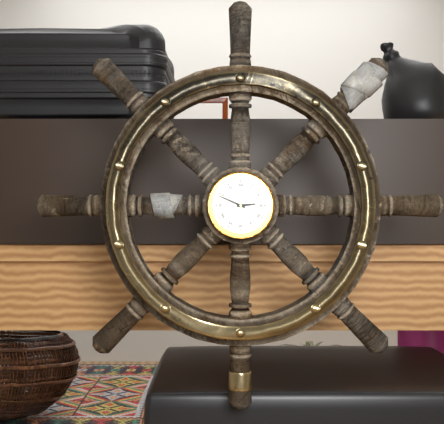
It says 2:49
